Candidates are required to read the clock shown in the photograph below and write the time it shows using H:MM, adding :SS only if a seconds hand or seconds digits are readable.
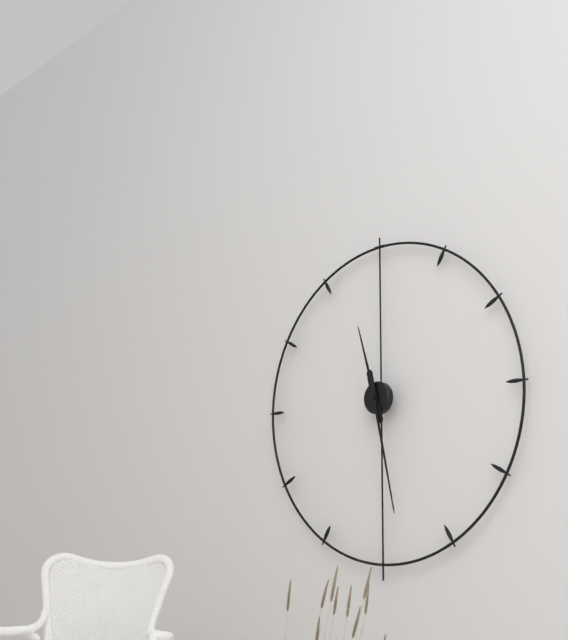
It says 11:28
